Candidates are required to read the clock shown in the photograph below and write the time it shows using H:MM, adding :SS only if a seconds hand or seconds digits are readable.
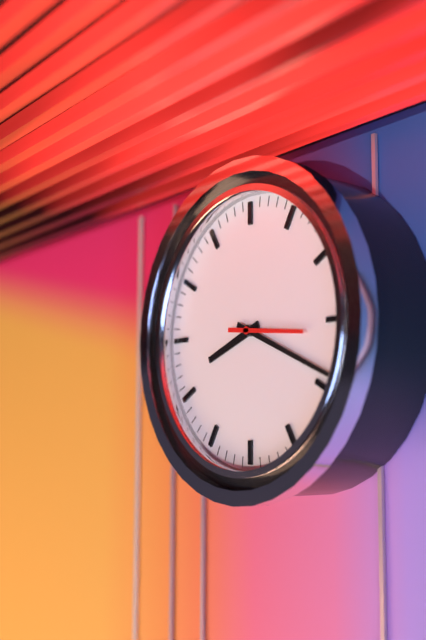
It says 8:19:16
